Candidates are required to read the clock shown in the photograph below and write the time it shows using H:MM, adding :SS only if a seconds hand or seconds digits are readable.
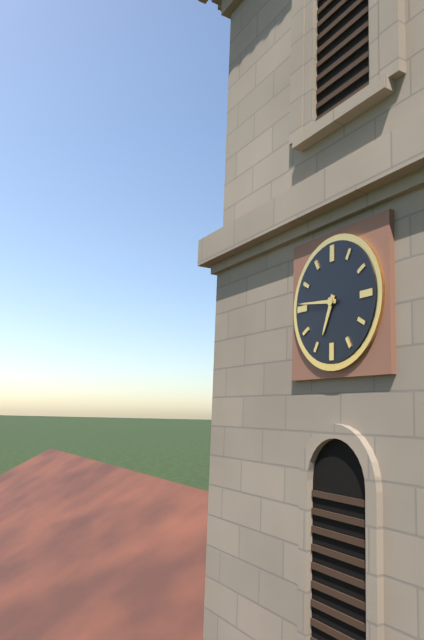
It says 6:46
